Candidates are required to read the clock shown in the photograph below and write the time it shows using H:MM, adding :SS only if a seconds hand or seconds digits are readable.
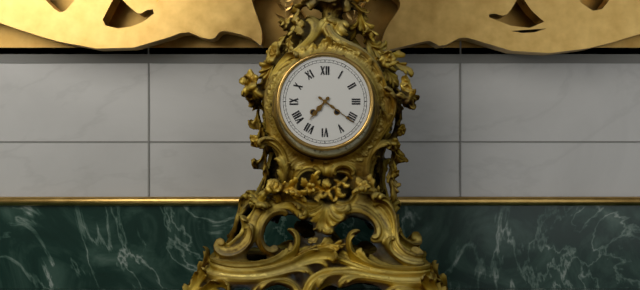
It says 7:21
